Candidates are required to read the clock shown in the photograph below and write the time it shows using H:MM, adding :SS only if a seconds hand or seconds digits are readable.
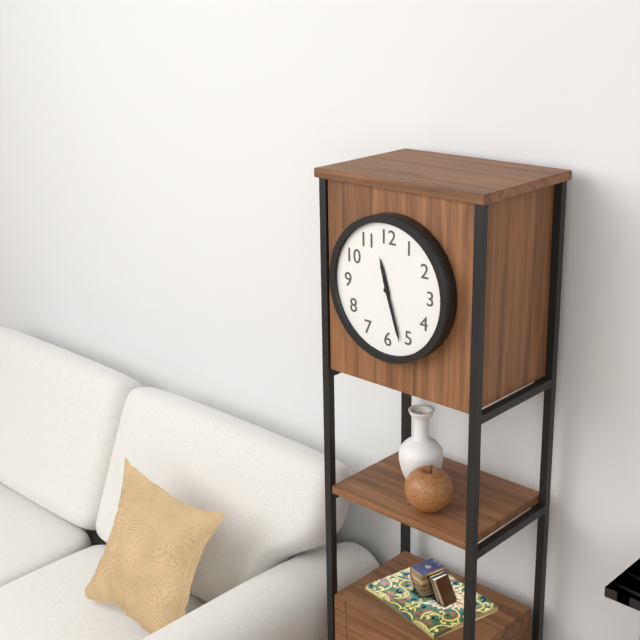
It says 11:27
